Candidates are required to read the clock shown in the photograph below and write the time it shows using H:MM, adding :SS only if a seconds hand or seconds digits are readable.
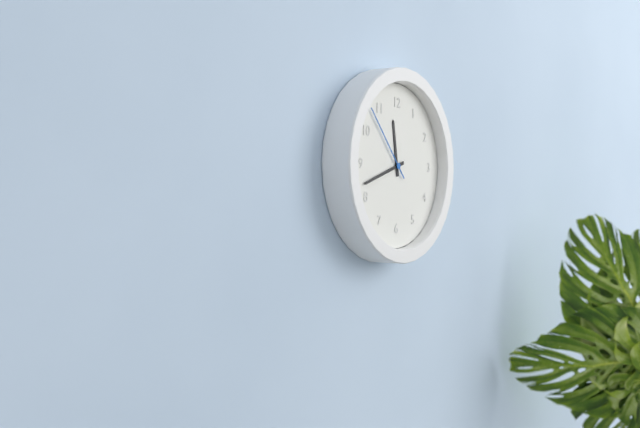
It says 11:42:53
